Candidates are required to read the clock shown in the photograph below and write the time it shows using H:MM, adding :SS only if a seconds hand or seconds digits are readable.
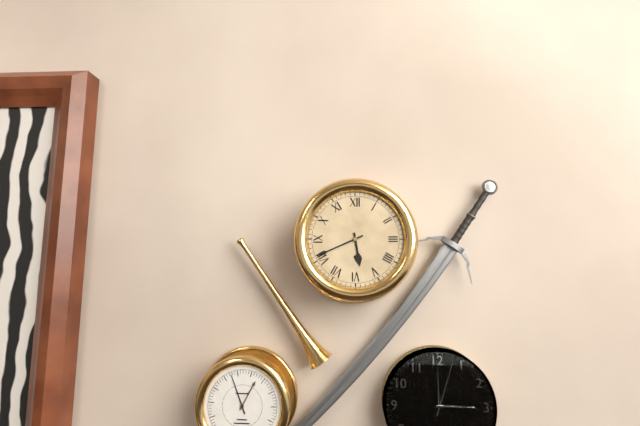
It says 5:41
